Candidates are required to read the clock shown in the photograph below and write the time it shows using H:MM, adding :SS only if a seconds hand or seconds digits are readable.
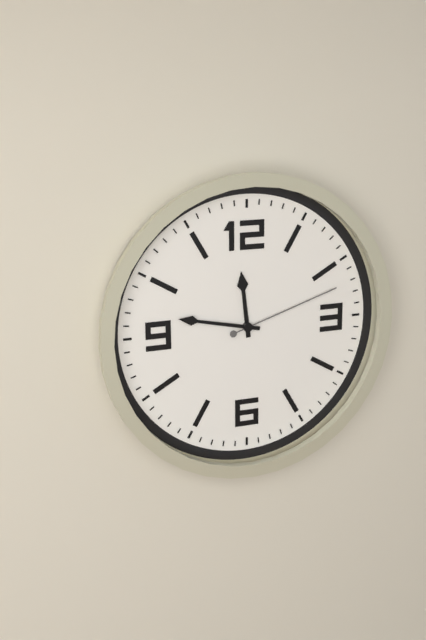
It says 11:47:12
